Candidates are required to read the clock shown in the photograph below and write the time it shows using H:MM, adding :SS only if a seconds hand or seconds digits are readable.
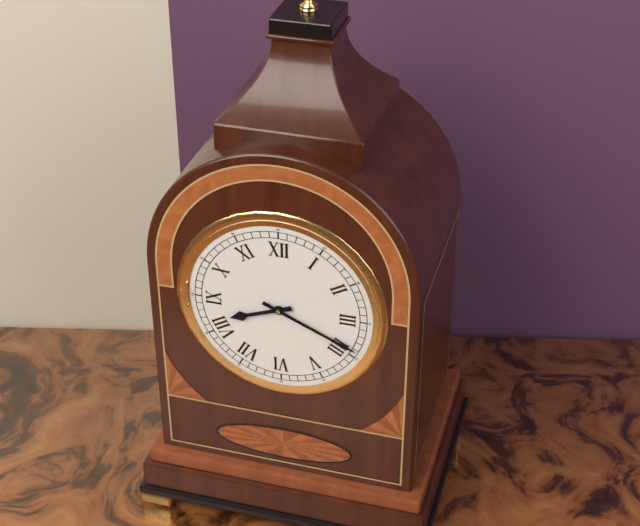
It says 8:19
